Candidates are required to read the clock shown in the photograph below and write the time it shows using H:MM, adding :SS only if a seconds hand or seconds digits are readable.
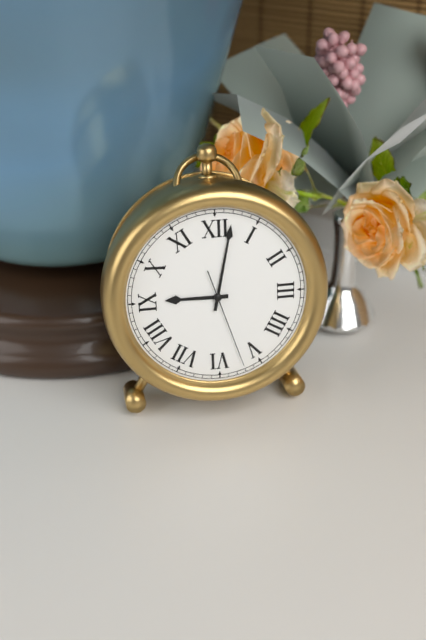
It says 9:02:27
